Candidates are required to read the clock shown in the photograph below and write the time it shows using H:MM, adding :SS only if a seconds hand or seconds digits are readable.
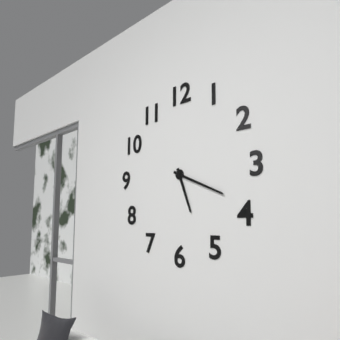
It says 5:19
